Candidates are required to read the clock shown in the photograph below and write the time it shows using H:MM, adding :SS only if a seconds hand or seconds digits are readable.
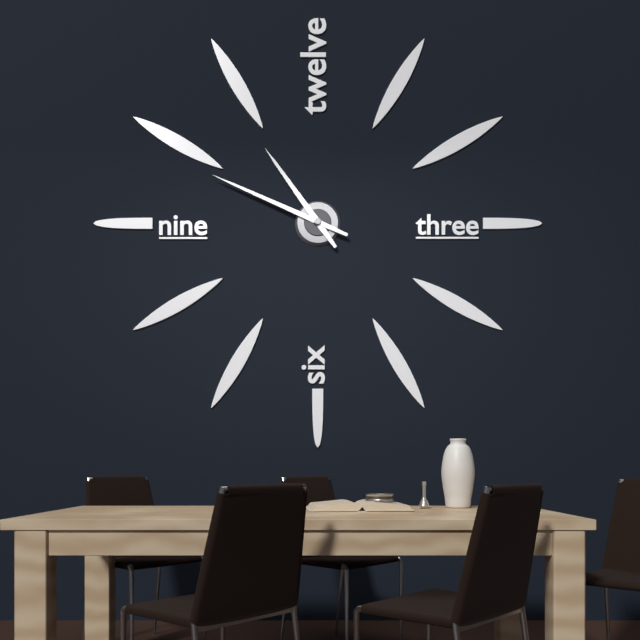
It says 10:49
